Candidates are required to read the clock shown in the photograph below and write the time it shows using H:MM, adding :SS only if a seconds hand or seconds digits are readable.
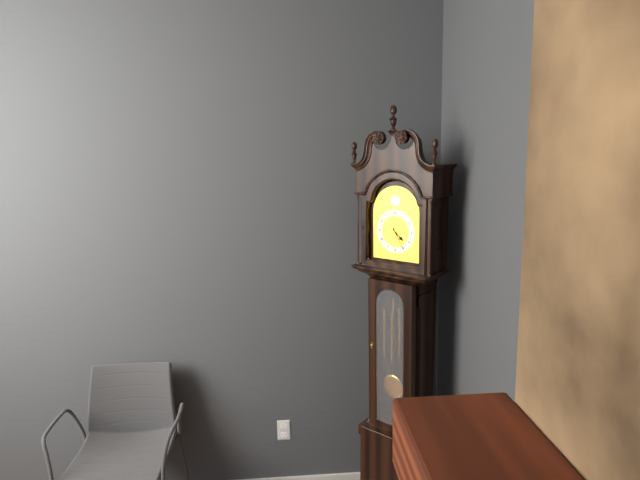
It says 4:25
